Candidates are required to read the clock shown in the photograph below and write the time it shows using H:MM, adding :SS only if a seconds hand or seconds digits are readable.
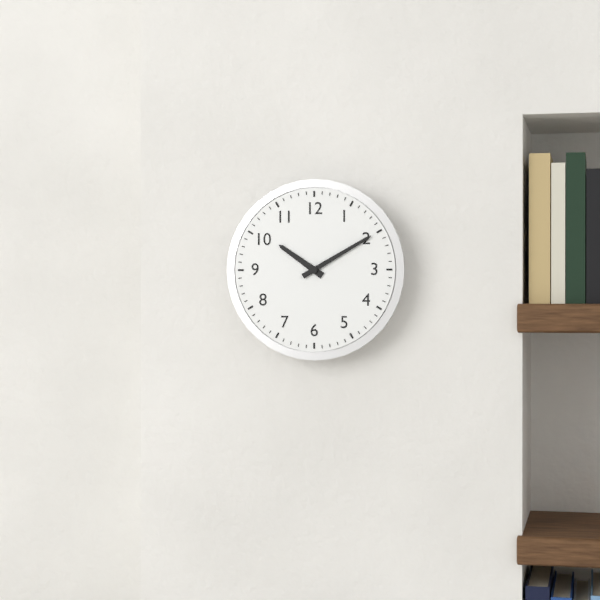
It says 10:10
